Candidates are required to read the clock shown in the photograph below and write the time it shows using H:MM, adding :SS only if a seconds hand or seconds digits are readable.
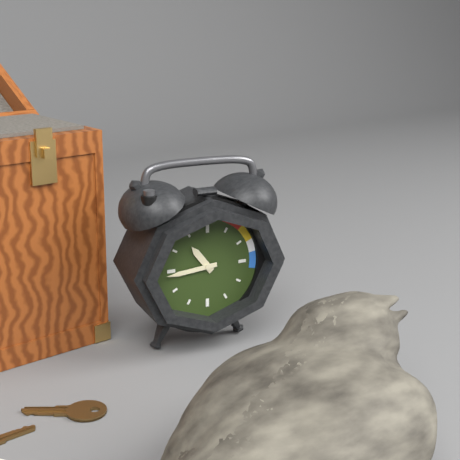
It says 10:44
